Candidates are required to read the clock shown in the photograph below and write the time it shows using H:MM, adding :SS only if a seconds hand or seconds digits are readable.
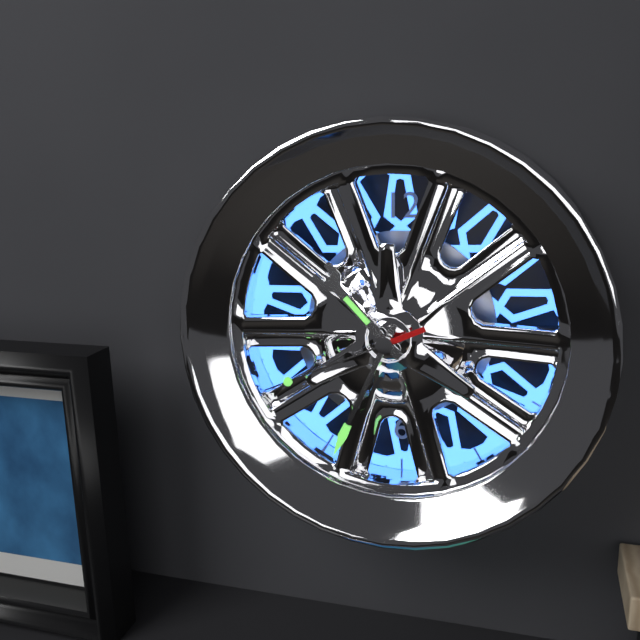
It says 10:34:41
